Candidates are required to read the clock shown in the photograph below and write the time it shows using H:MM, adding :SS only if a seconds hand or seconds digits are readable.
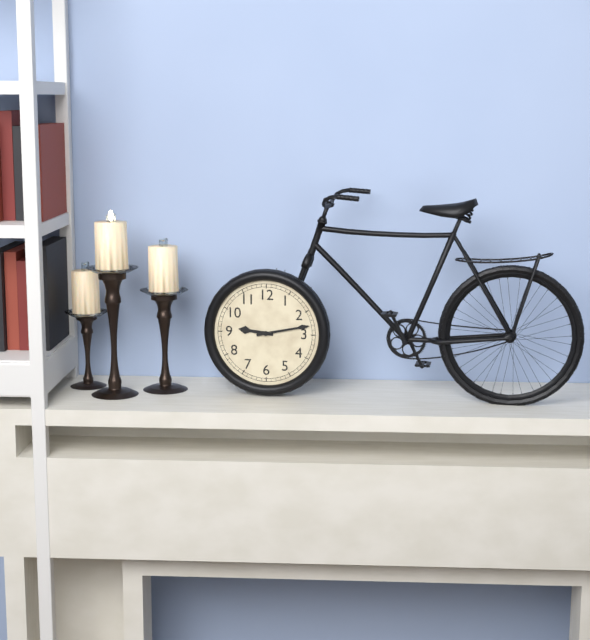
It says 9:13
